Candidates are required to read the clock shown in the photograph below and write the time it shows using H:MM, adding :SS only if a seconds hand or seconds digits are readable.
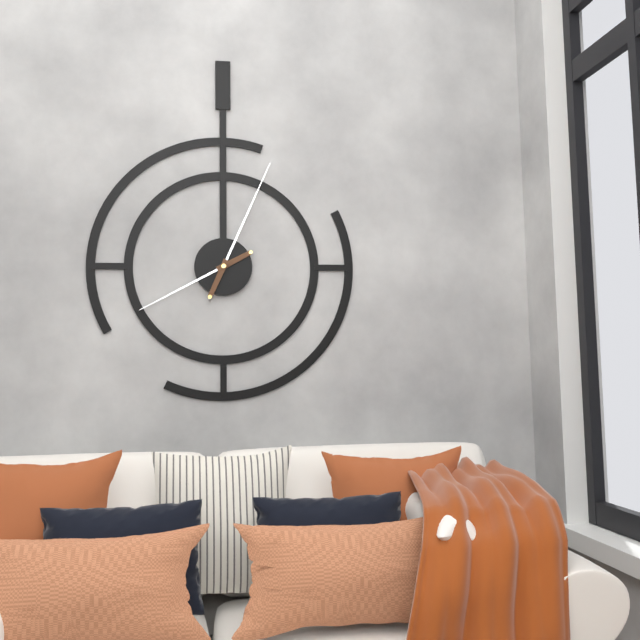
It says 8:04
